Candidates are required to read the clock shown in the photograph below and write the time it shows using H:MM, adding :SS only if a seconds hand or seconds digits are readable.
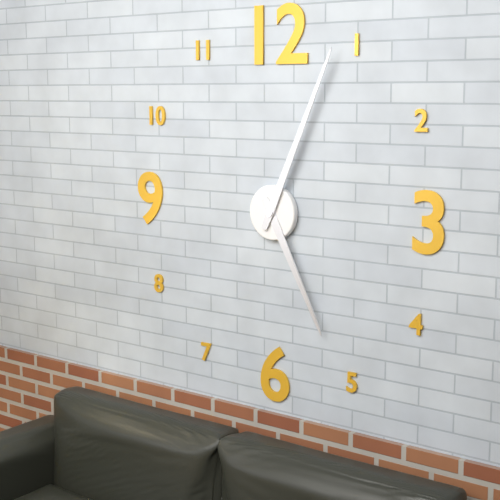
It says 5:04
